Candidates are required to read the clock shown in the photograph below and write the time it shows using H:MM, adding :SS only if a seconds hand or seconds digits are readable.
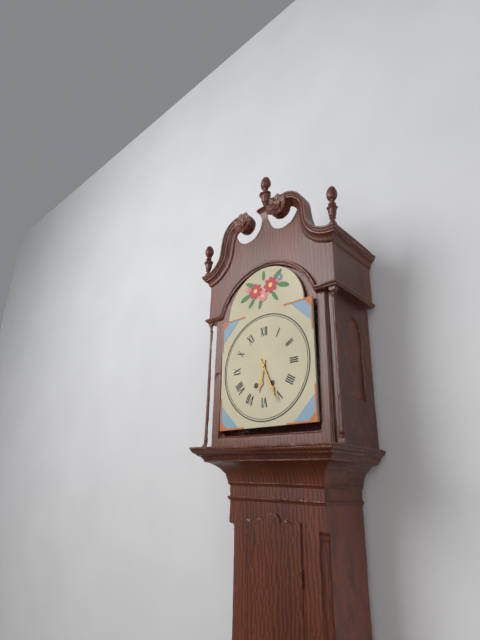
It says 6:26
